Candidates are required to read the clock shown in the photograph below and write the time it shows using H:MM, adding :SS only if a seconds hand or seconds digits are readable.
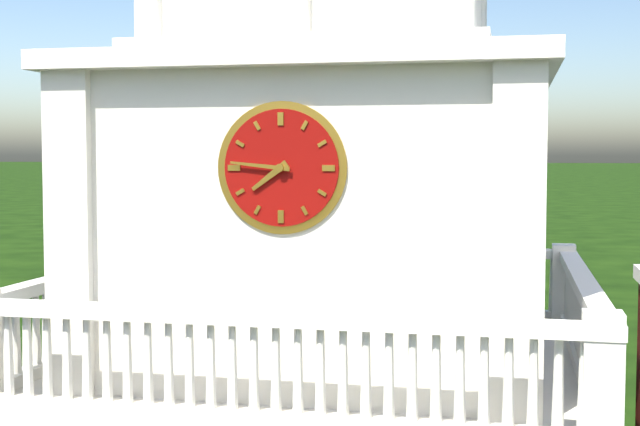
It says 7:46
